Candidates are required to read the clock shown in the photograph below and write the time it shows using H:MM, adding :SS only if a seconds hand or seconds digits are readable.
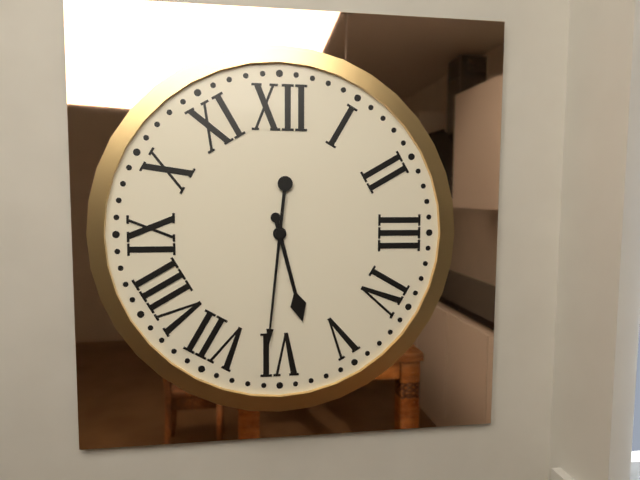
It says 5:31
